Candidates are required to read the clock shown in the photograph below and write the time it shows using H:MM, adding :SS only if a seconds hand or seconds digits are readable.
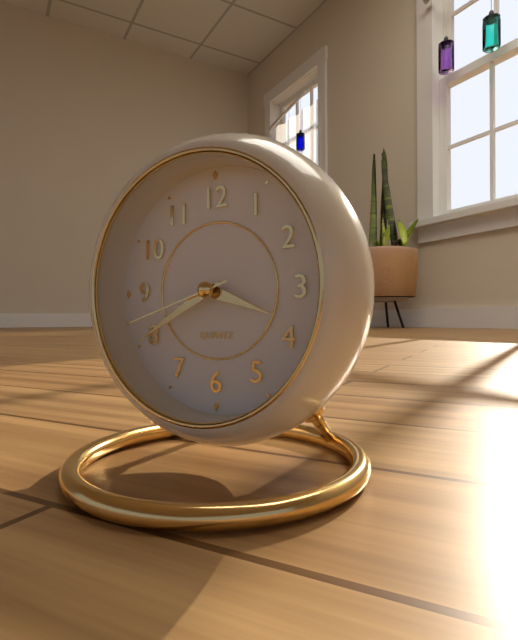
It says 3:40:42
